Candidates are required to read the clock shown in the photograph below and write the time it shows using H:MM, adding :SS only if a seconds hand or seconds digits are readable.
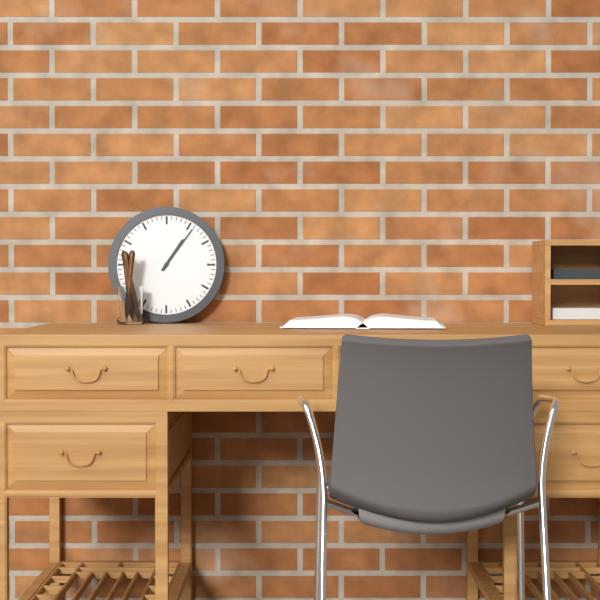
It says 1:06
